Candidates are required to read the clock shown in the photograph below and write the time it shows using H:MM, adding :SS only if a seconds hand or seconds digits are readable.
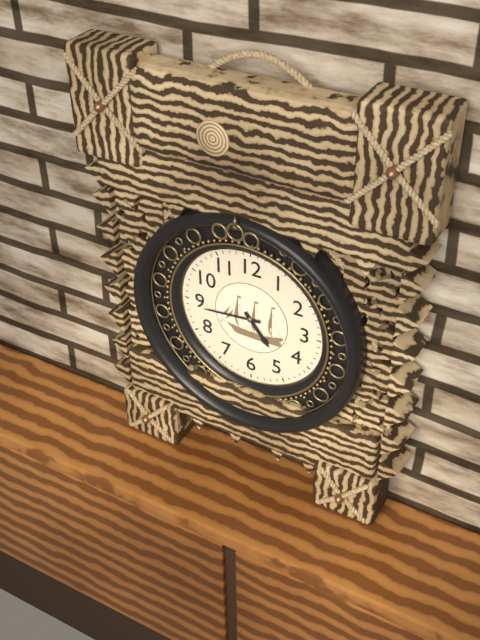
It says 4:44
